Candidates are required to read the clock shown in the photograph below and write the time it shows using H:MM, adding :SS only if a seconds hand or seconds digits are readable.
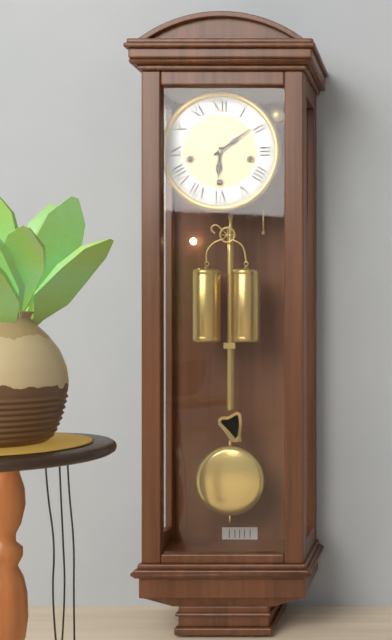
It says 6:09
